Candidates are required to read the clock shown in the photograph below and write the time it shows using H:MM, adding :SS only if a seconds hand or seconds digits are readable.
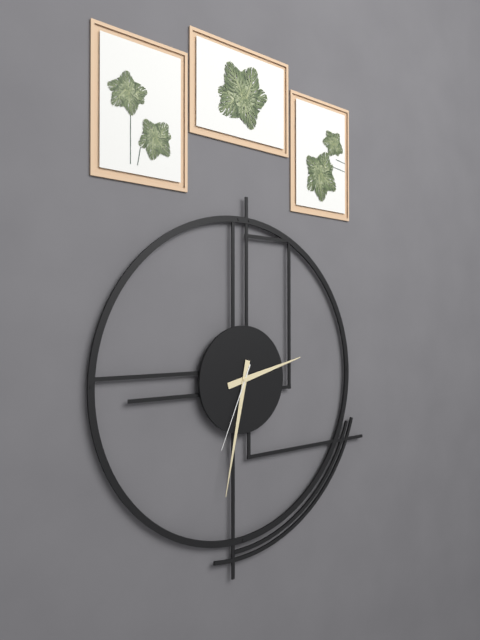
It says 2:32:34
